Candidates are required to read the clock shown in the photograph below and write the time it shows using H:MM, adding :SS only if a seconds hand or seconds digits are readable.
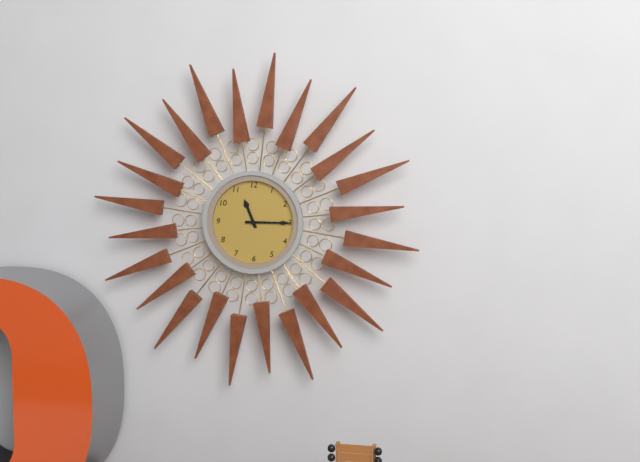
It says 11:15
